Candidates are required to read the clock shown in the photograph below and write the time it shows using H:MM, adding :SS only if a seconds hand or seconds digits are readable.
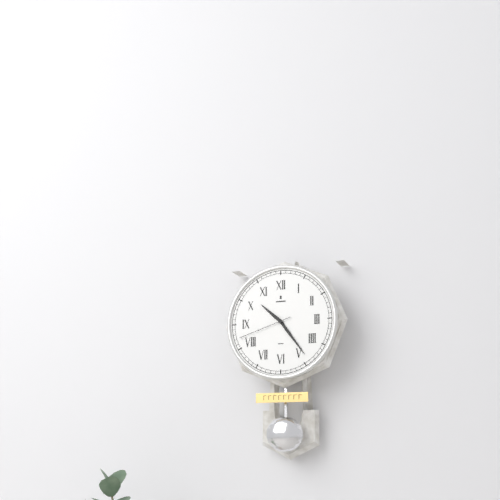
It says 10:24:42
